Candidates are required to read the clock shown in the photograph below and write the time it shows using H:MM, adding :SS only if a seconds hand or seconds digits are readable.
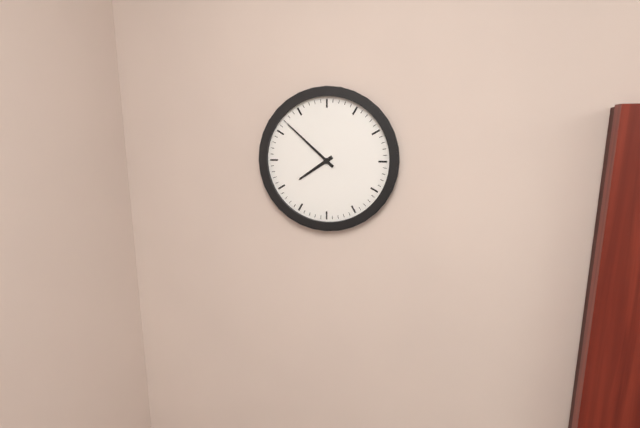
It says 7:52
